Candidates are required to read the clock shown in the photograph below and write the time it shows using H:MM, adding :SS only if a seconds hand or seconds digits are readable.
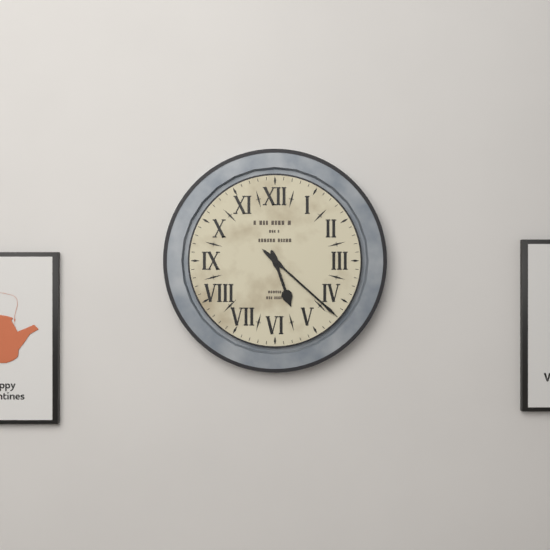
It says 5:22
